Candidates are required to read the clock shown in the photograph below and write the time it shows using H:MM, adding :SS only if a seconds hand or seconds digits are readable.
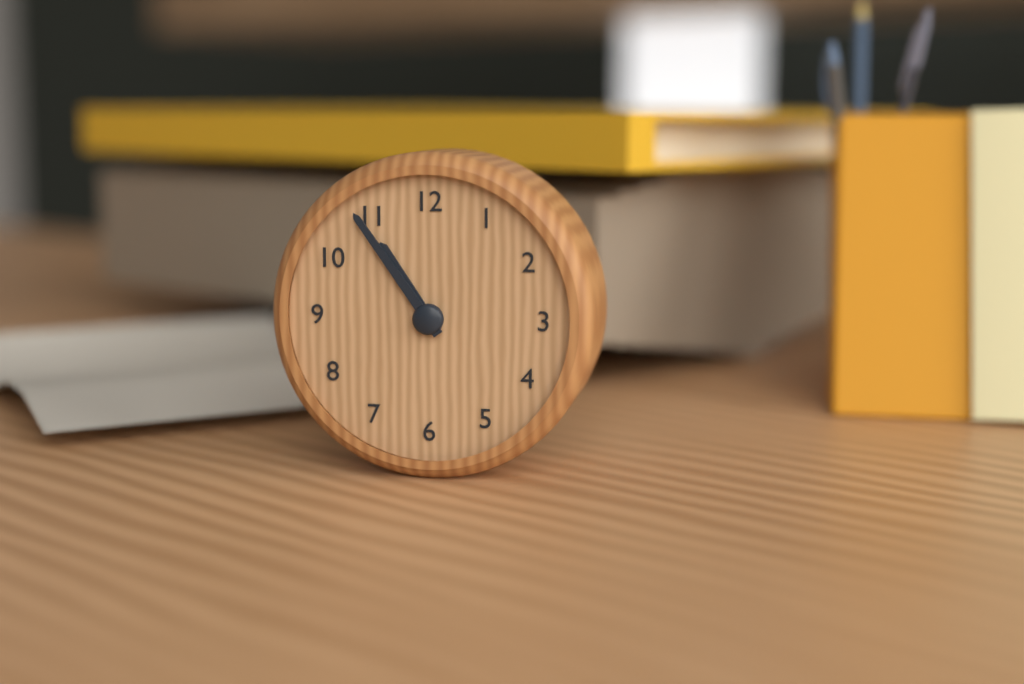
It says 10:54
